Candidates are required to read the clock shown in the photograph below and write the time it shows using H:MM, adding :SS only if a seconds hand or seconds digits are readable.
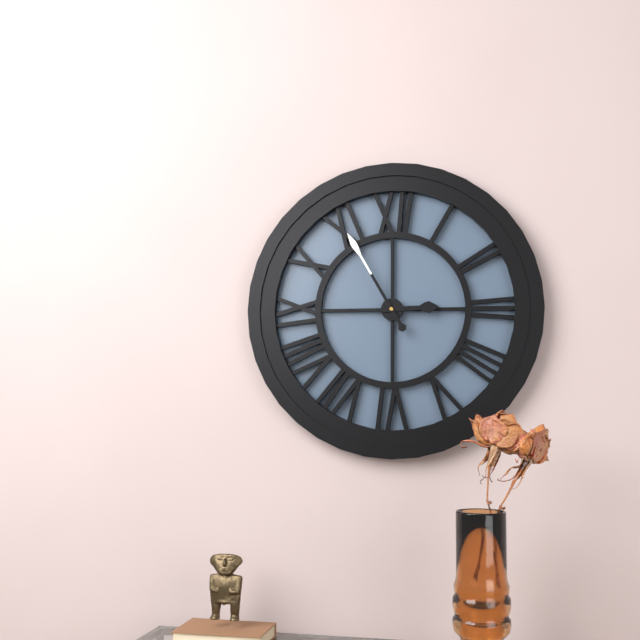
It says 2:55
